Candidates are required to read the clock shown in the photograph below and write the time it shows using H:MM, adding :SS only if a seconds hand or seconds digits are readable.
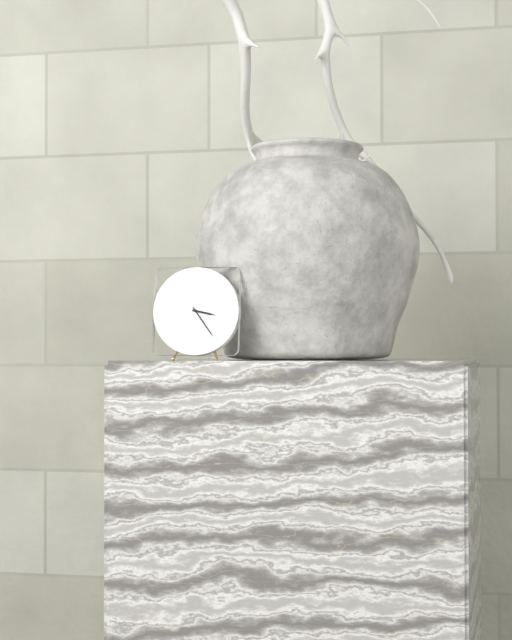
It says 3:24
